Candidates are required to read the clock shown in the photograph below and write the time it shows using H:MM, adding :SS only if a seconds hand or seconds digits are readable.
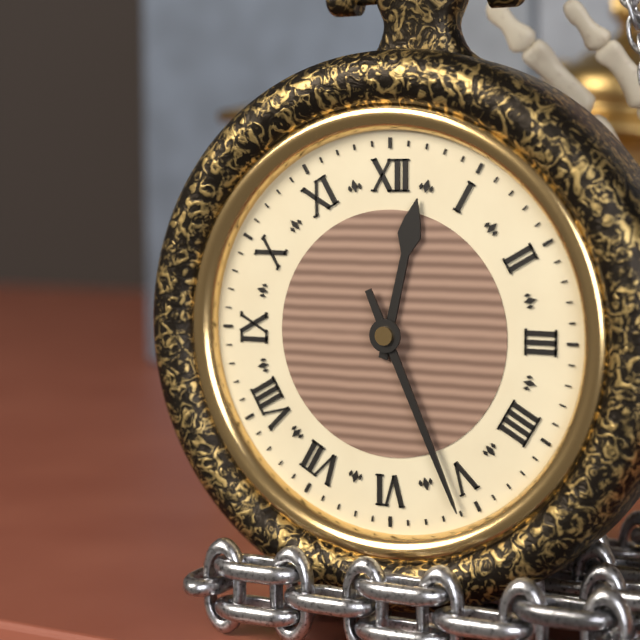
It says 12:26
